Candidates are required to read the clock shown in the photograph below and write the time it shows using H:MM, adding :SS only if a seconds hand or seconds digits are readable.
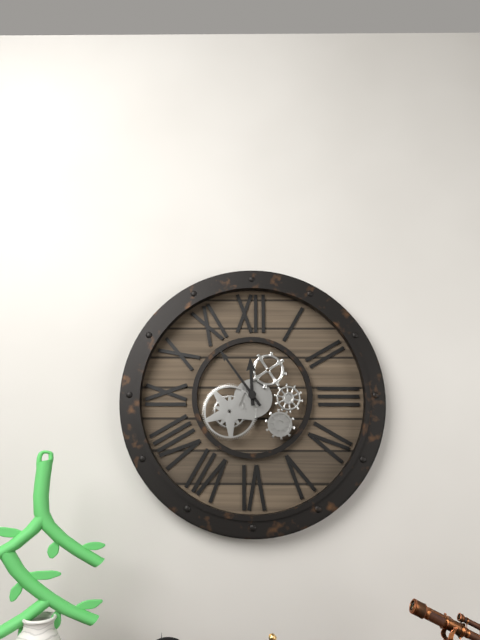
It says 11:54
